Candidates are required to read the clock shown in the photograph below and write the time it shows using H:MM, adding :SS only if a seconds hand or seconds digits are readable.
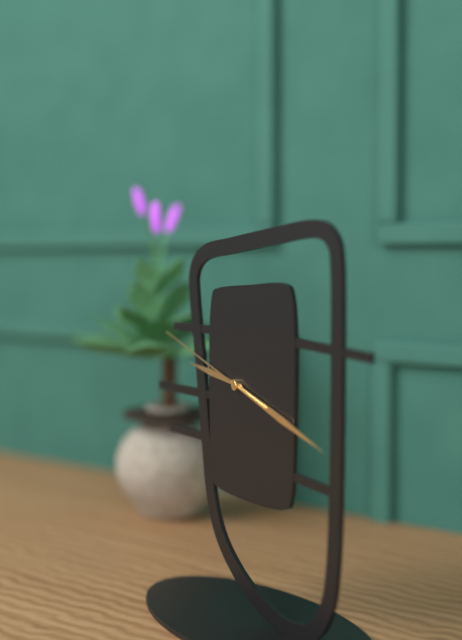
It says 9:18:48
